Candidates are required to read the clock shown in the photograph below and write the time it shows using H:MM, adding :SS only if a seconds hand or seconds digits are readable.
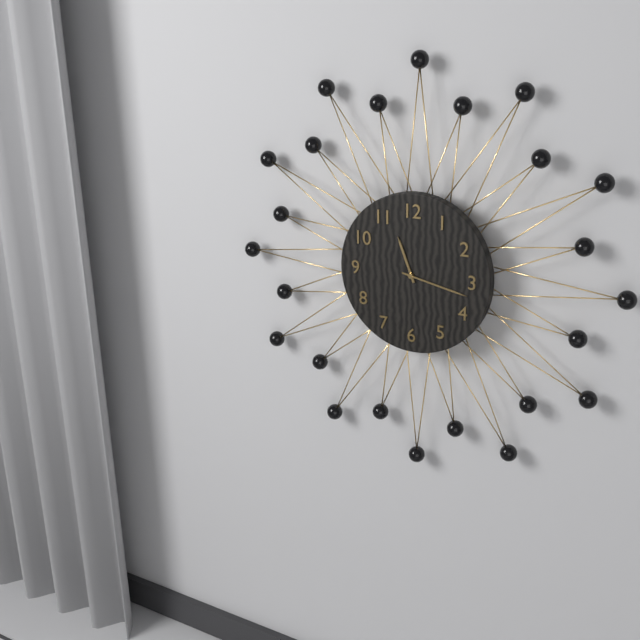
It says 11:17
